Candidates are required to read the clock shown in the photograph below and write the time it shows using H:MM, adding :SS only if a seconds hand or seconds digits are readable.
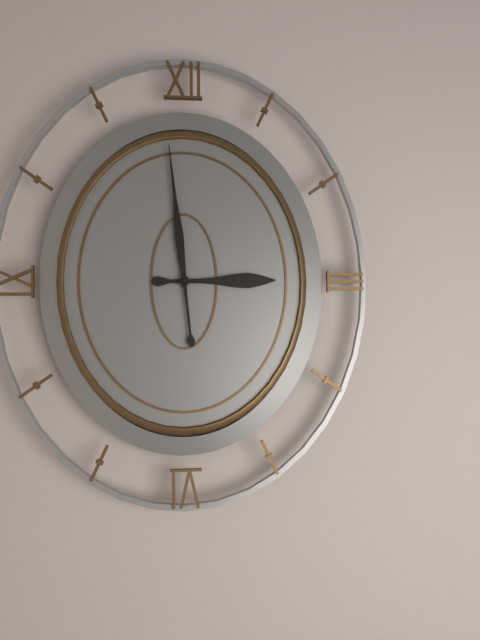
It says 2:59
